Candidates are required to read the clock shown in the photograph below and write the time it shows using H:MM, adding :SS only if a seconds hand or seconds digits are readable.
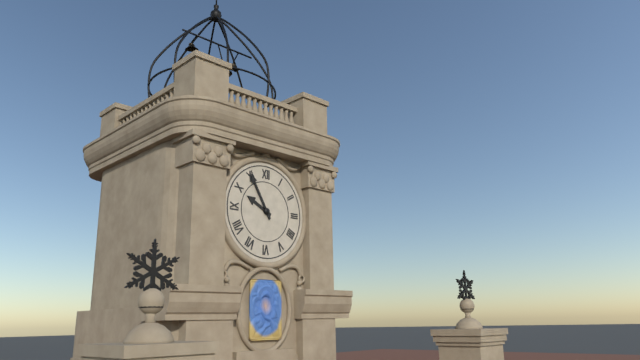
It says 9:55
